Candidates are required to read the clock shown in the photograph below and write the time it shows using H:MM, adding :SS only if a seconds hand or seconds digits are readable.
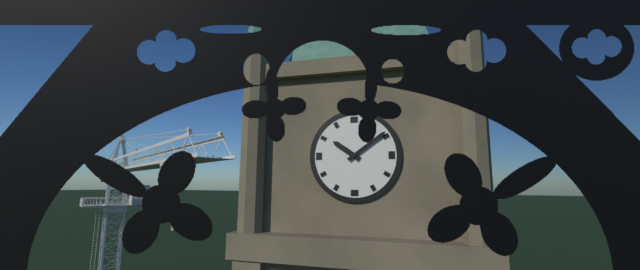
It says 10:09
